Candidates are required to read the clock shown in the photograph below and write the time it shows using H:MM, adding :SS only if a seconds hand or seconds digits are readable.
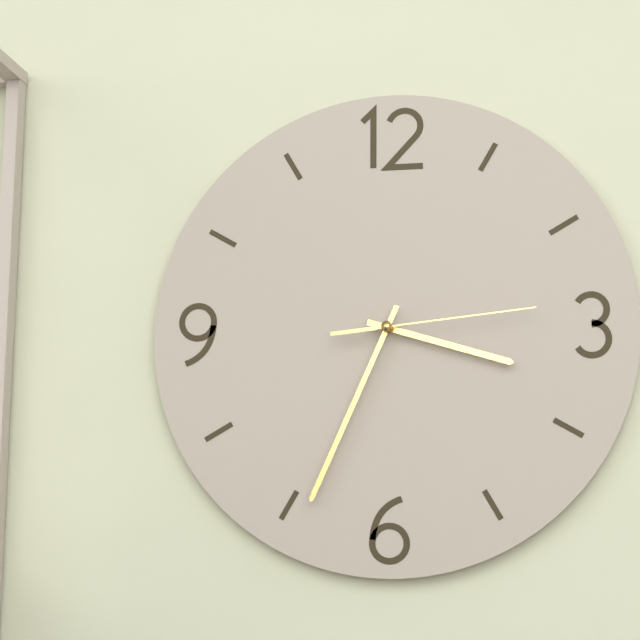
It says 3:34:14
